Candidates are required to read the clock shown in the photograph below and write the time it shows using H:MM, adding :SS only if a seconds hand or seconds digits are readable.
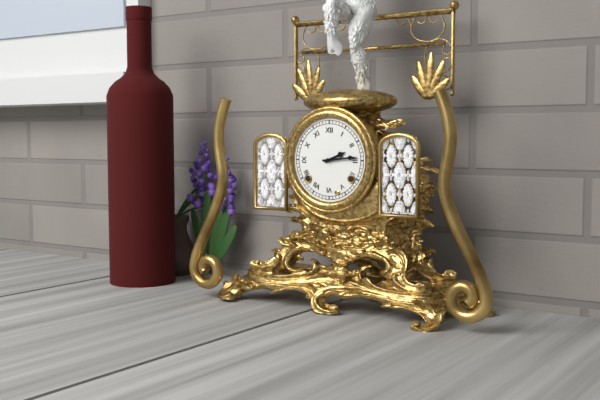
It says 2:14
